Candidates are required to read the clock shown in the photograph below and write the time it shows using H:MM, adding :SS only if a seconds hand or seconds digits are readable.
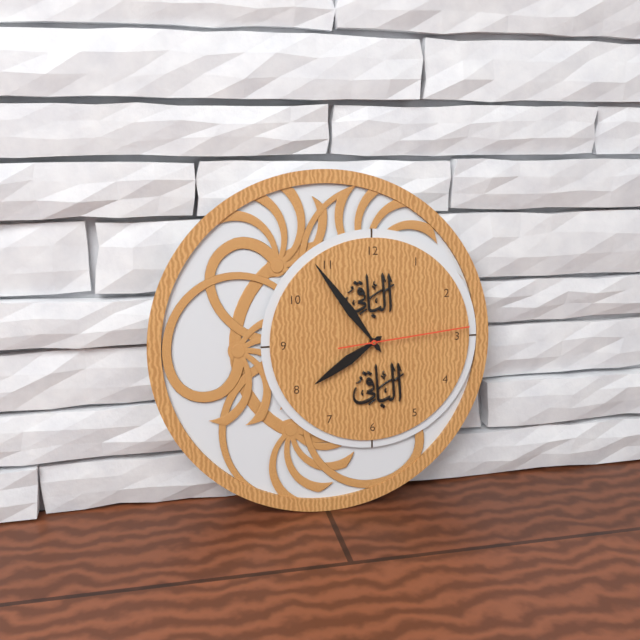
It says 7:54:14
